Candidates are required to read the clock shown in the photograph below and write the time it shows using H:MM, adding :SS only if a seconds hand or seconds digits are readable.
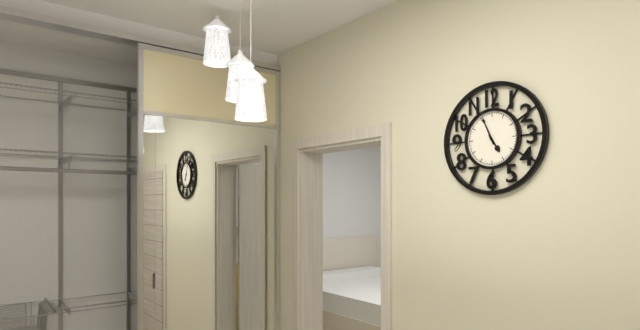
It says 4:56
